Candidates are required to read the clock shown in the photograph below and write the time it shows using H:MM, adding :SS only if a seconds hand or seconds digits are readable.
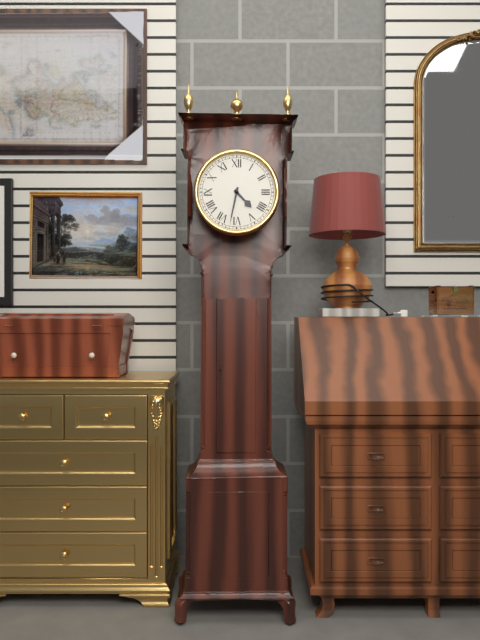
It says 4:32
